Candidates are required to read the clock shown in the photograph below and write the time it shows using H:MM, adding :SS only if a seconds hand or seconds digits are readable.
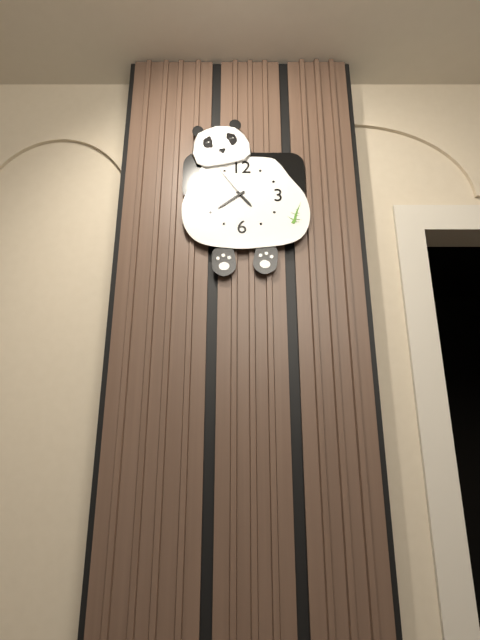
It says 4:39
